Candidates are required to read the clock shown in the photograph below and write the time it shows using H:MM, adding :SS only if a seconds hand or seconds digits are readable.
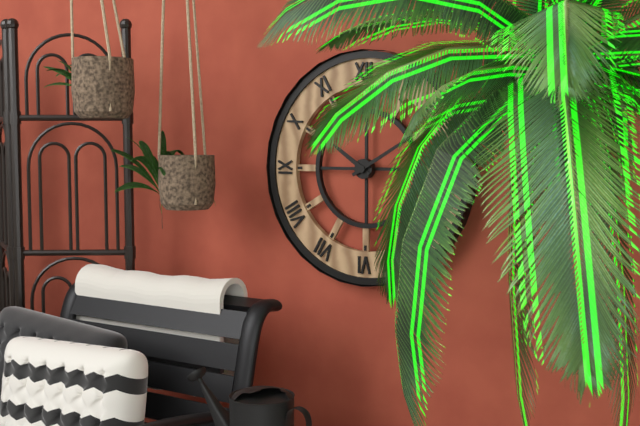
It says 10:10
